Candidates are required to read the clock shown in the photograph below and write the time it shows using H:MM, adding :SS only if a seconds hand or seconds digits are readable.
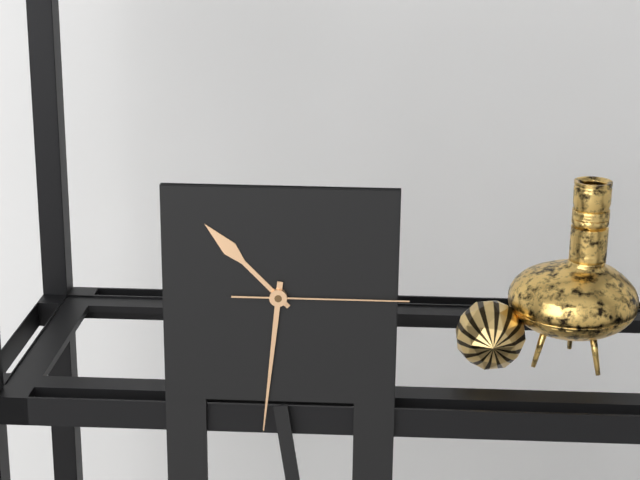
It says 10:31:15
